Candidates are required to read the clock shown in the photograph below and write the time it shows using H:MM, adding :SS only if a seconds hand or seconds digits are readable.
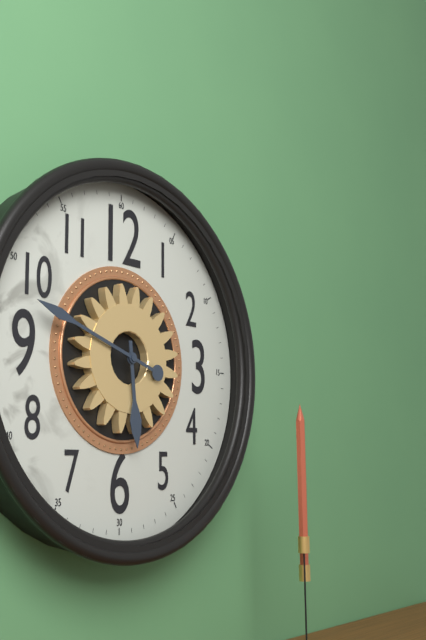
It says 5:48
